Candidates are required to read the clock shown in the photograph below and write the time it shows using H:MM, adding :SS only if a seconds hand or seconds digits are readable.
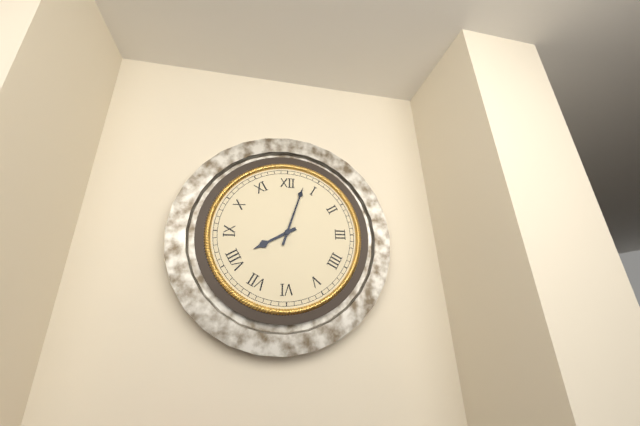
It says 8:03
